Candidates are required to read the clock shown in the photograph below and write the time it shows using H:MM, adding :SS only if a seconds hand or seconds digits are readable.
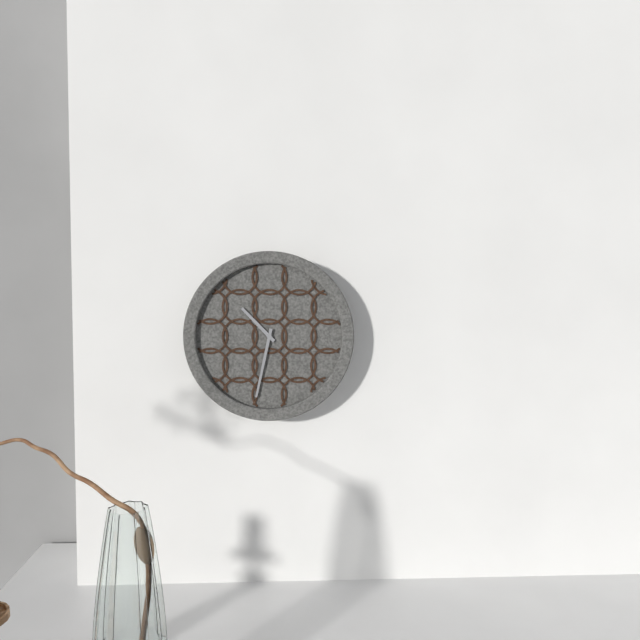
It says 10:32
